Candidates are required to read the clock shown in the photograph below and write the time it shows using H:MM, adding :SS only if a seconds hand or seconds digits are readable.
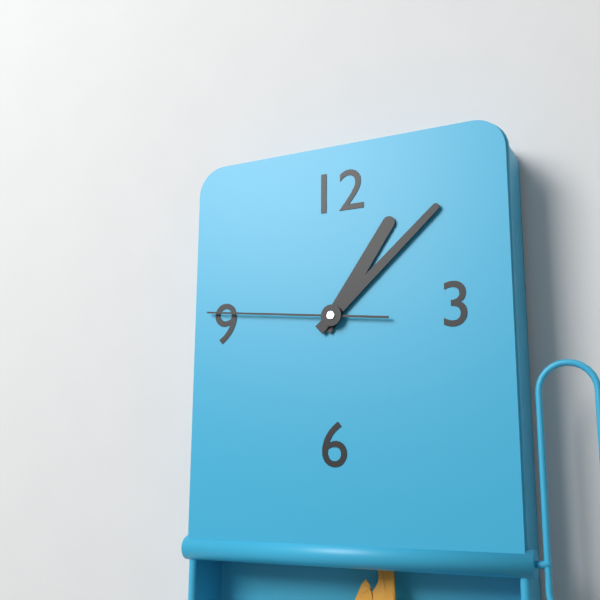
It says 1:08:46
